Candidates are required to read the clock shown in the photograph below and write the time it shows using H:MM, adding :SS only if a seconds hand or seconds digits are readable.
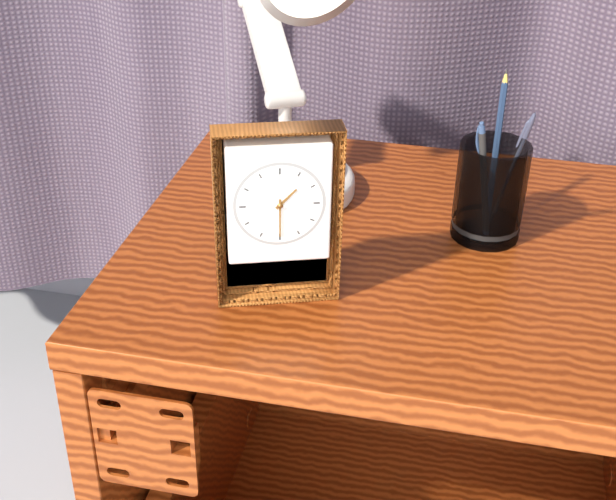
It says 1:30
